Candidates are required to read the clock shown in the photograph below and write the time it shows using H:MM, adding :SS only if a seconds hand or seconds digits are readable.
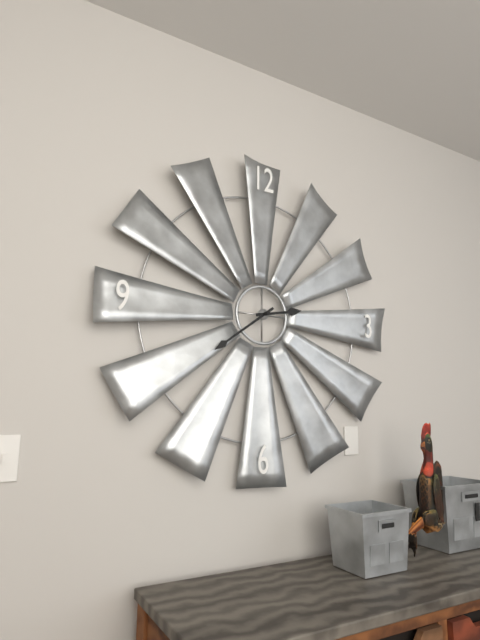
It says 2:39
